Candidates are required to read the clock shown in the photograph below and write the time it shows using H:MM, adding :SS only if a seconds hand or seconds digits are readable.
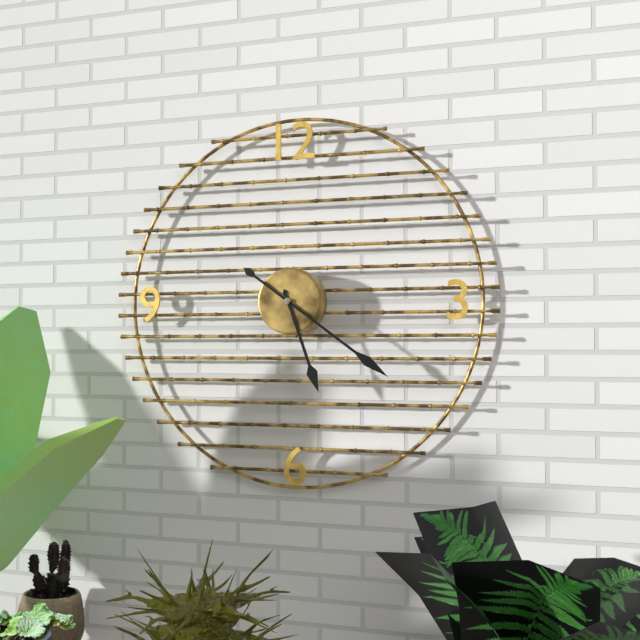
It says 5:21
